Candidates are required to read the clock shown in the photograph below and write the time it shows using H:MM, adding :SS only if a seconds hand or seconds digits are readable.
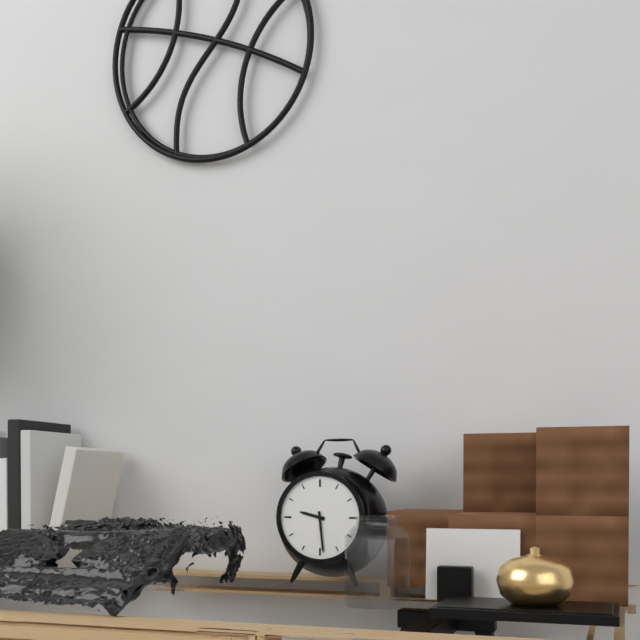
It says 9:29
